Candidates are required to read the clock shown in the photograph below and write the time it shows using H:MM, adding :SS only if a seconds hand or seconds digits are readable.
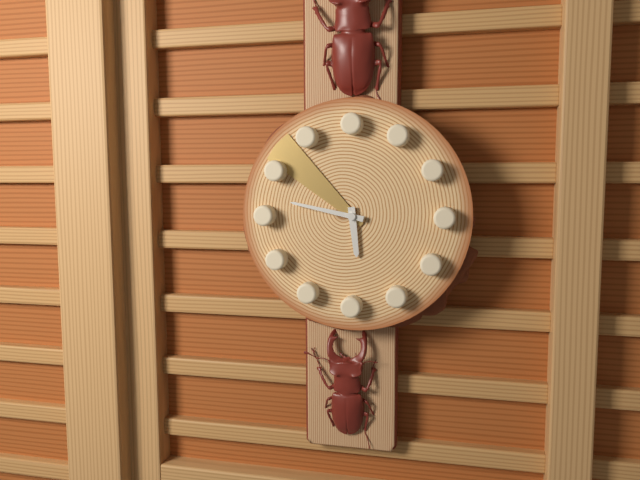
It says 5:47:52
